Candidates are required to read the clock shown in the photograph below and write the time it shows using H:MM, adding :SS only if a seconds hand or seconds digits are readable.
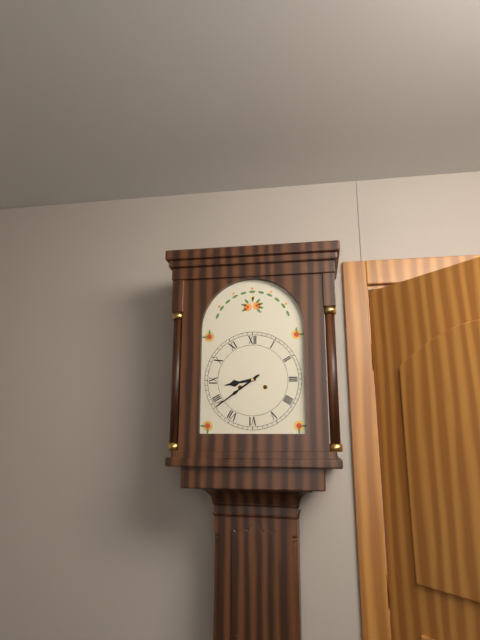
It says 8:39
